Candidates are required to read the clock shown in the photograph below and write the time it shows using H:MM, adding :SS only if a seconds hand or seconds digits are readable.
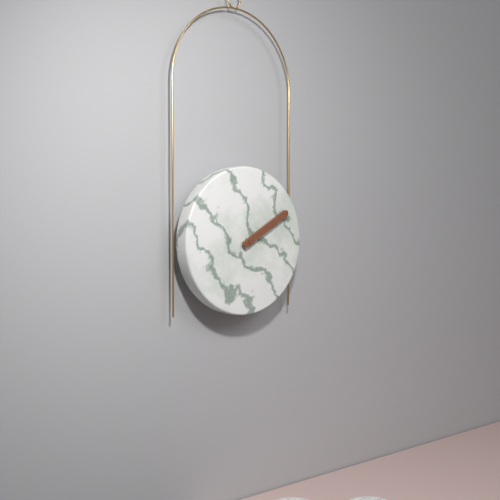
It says 2:10
